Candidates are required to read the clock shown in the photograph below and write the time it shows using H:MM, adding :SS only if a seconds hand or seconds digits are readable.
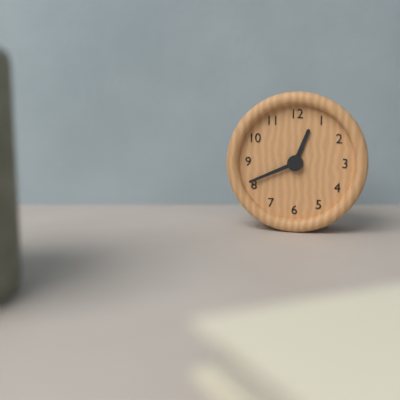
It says 12:41
